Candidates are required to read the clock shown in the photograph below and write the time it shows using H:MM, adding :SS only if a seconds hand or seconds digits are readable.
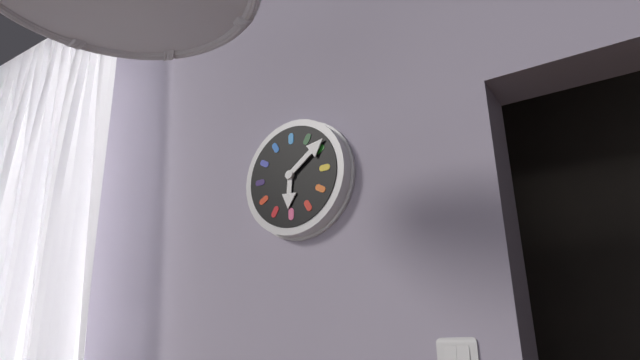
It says 6:09
